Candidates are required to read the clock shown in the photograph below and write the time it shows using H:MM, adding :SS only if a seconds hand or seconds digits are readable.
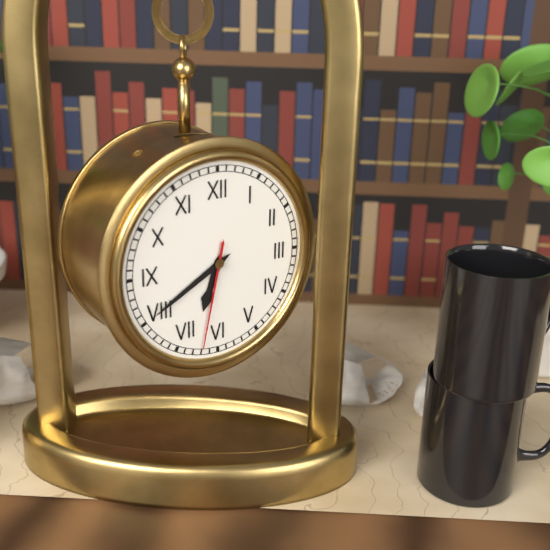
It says 6:40:32
